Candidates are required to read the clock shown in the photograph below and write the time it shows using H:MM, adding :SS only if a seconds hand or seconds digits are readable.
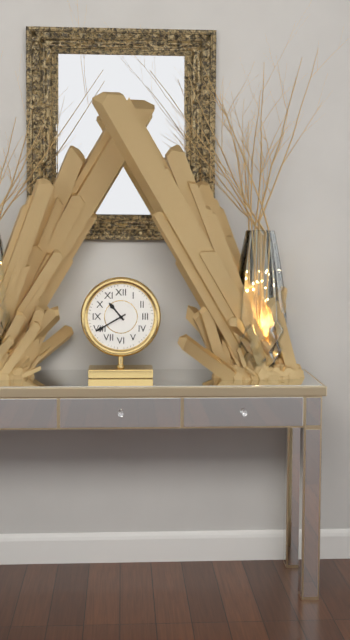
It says 10:40
